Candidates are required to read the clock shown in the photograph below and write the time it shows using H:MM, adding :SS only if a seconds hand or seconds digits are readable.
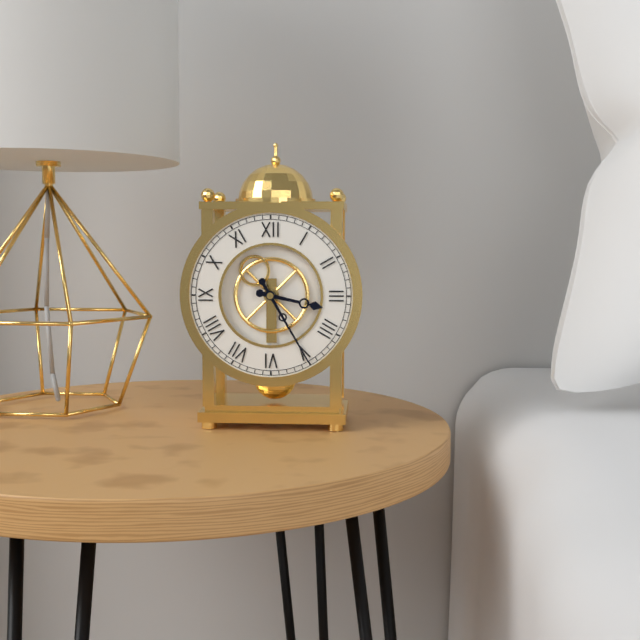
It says 3:25
